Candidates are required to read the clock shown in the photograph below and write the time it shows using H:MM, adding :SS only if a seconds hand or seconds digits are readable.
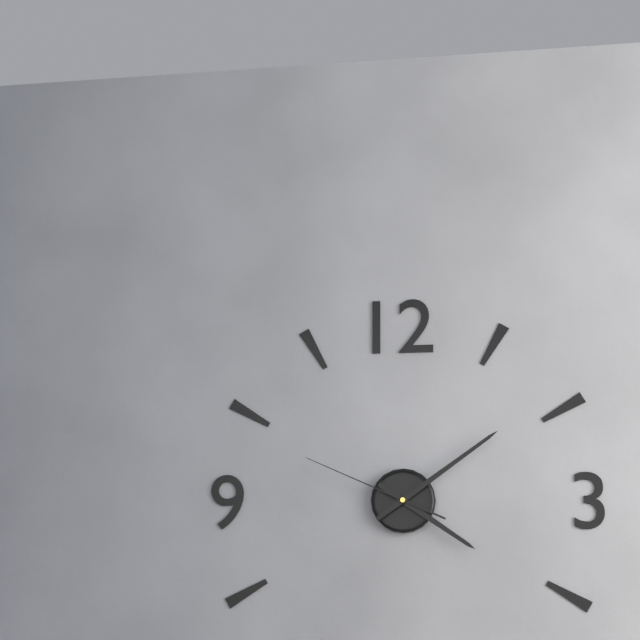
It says 4:09:49
